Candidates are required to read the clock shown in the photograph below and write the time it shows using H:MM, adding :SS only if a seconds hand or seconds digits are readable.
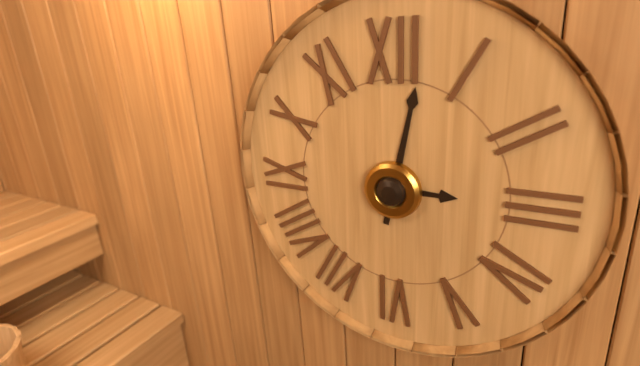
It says 3:02
